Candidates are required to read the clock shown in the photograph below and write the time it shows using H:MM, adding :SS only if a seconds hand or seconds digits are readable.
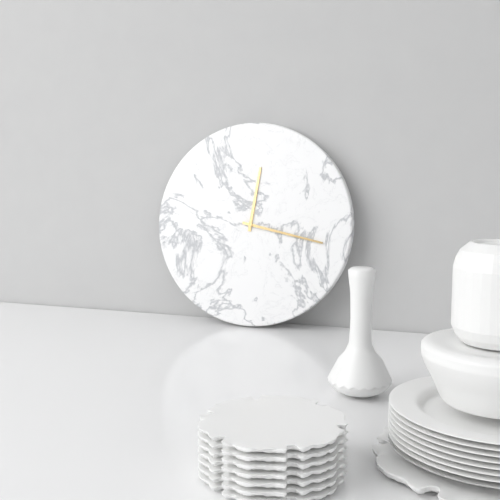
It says 12:17
